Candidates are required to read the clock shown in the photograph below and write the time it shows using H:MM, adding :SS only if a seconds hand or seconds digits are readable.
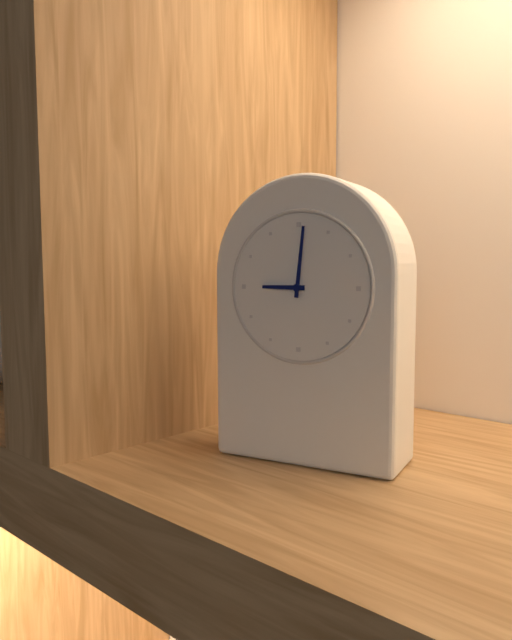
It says 9:01
